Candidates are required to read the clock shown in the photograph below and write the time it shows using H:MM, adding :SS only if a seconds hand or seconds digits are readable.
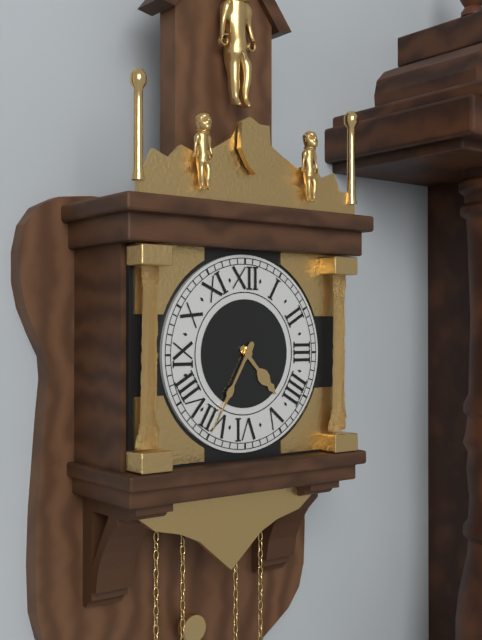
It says 4:35
